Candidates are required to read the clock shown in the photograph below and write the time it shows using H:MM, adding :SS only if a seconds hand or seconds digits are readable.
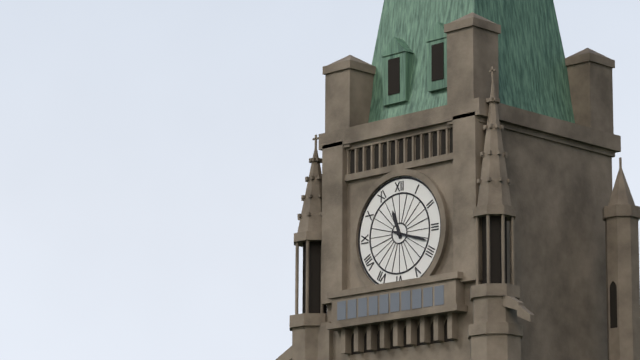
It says 11:18
